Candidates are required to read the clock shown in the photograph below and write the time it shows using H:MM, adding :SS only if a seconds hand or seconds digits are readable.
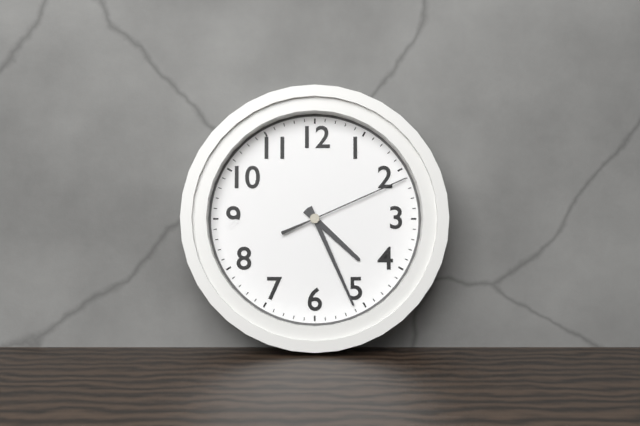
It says 4:26:11
